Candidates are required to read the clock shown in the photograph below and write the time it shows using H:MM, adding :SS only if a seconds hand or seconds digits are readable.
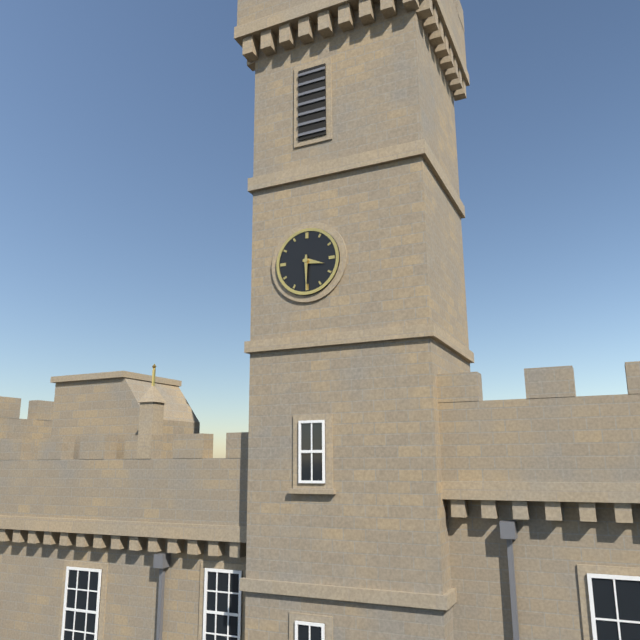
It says 3:30
